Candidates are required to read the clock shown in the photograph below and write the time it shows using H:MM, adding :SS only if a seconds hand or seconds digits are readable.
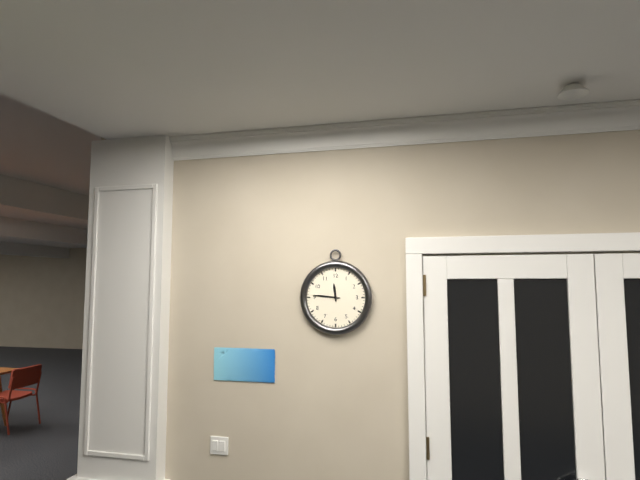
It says 11:46
